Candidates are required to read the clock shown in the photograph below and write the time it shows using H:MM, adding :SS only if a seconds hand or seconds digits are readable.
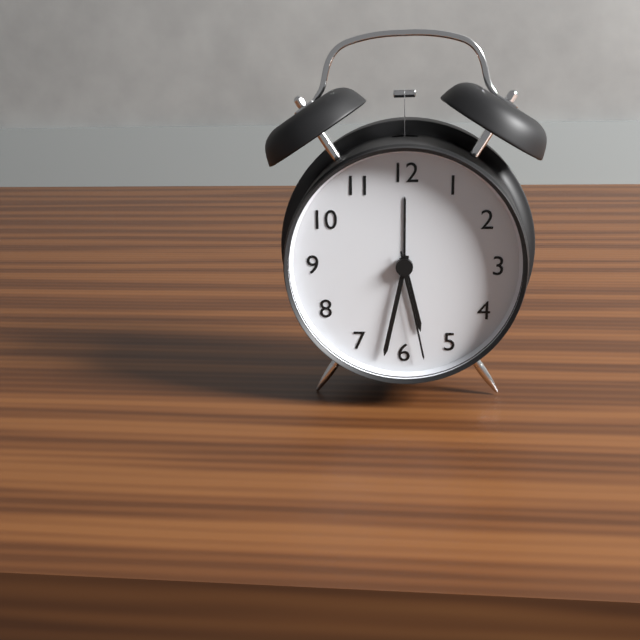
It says 5:32:28
